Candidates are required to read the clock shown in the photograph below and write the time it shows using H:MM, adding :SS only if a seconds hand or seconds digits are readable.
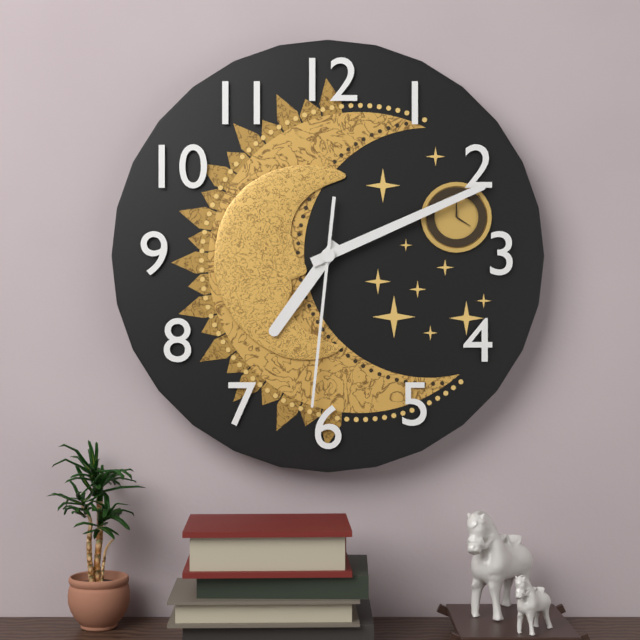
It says 7:11:31
